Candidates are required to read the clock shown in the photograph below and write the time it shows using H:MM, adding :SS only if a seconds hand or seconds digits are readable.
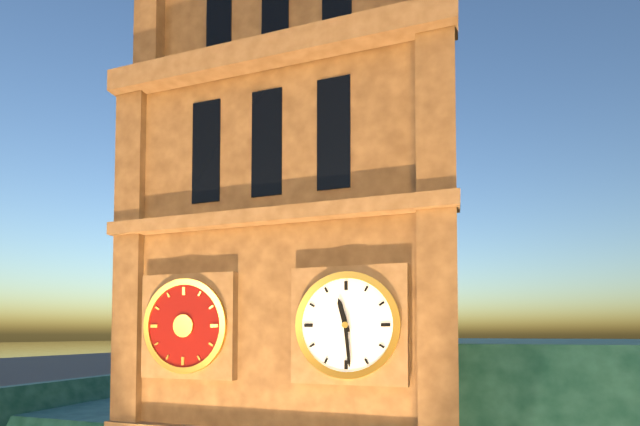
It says 11:29
